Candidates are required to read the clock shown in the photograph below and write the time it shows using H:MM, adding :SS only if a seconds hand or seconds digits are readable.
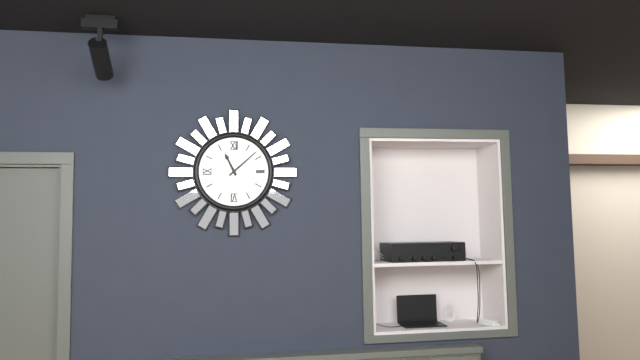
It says 11:08
